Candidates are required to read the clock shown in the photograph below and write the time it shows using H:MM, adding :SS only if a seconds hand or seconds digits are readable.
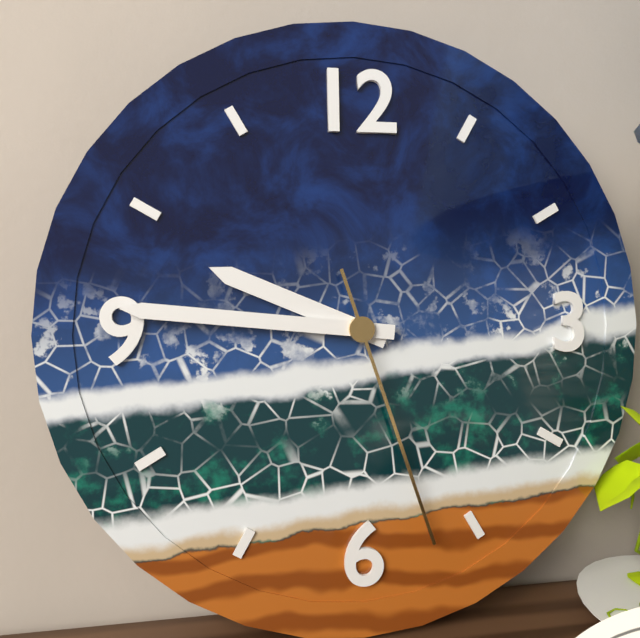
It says 9:46:27
